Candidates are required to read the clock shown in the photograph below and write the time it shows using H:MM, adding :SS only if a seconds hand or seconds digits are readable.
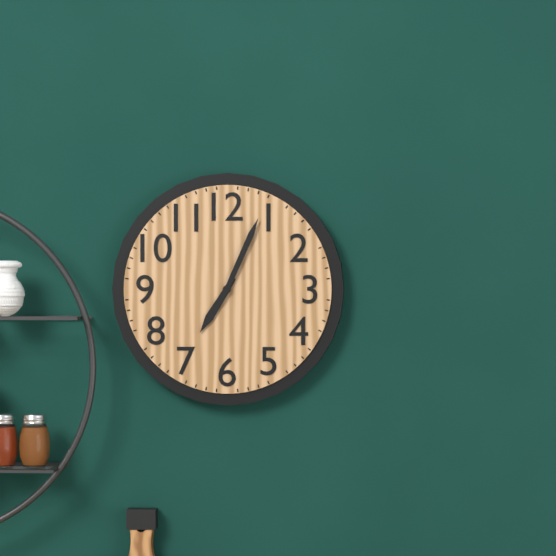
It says 7:04
